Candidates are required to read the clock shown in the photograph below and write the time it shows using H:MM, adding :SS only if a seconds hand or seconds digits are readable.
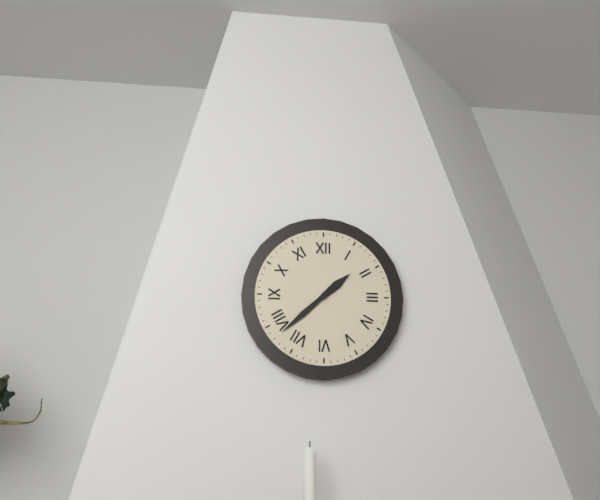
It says 1:38
